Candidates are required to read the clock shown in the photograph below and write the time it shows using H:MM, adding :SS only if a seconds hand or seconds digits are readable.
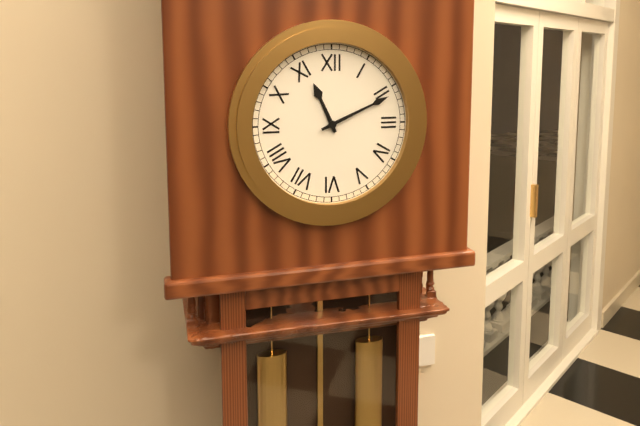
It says 11:11
